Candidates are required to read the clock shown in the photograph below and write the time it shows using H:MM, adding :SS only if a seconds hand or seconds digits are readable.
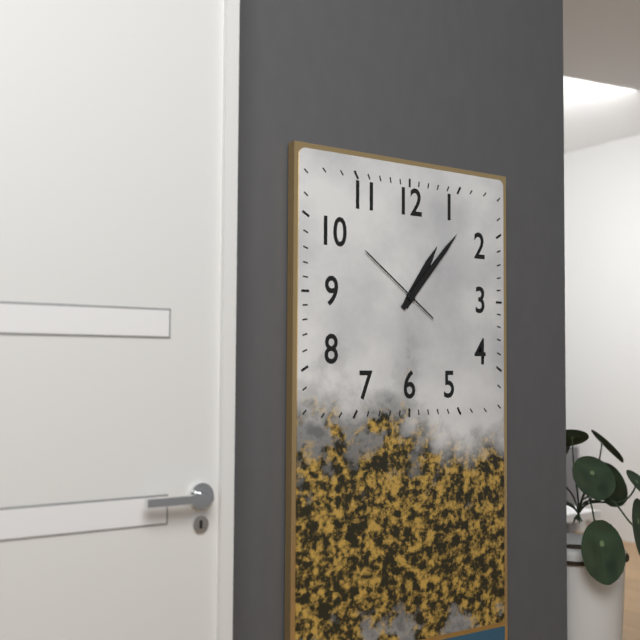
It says 1:07:51
